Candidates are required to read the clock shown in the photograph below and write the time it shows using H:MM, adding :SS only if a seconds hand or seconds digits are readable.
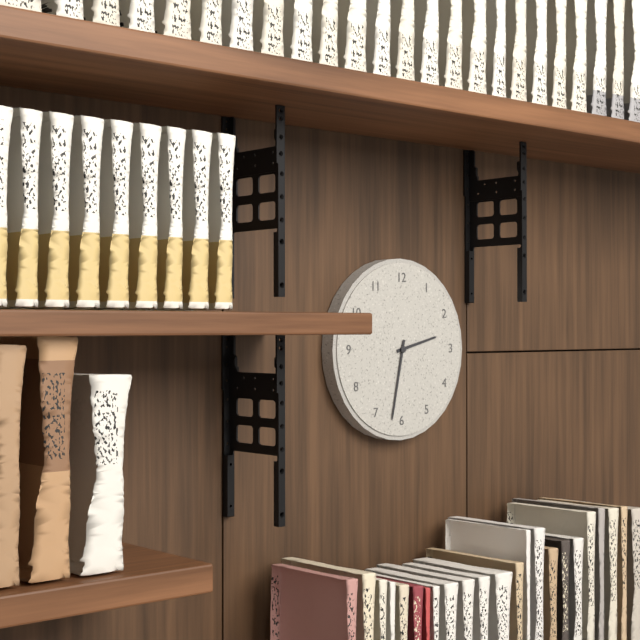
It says 2:32
